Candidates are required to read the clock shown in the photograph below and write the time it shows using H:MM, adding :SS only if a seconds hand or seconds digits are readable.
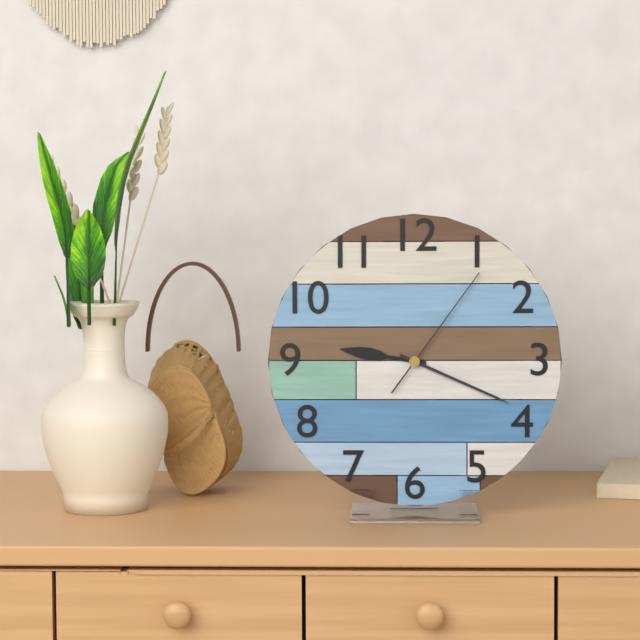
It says 9:19:06
